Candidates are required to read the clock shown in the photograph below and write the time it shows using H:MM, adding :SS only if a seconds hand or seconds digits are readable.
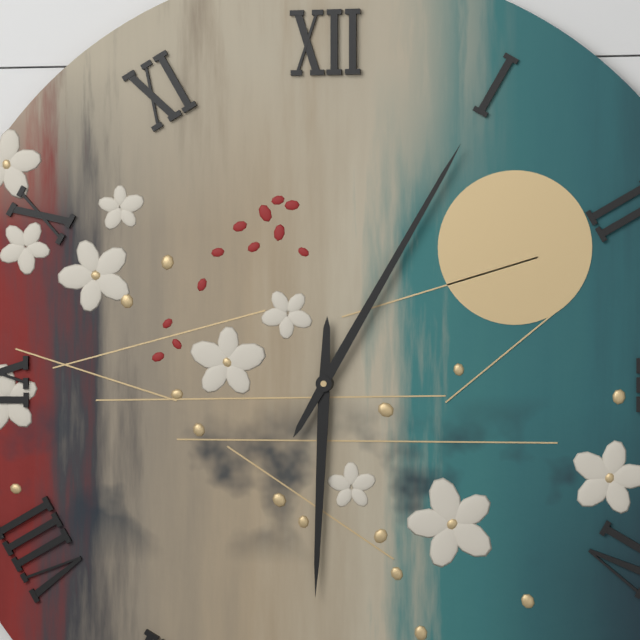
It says 6:05
